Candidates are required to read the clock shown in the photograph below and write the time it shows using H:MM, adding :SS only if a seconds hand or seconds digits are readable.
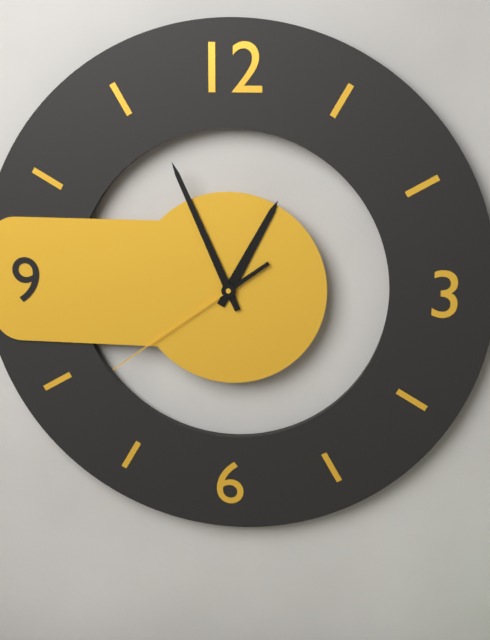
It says 12:56:39
